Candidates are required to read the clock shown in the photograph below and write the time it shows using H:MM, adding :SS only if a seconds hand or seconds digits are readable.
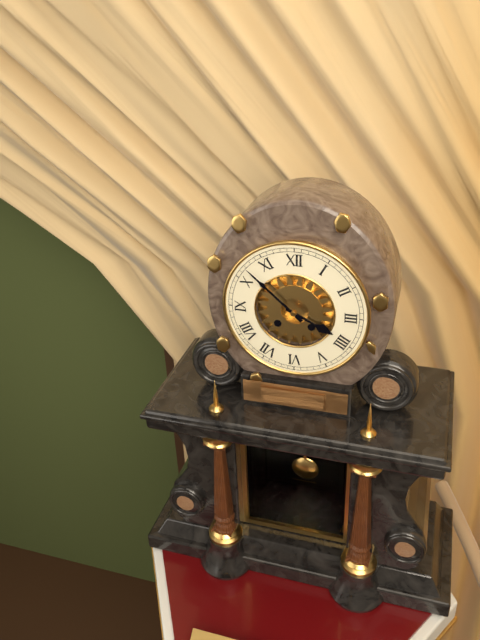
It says 3:52
